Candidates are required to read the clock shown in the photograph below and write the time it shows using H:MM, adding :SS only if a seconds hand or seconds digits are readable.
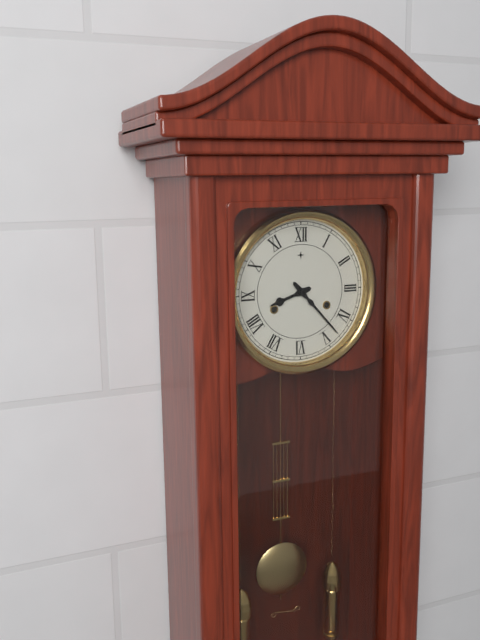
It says 8:23
